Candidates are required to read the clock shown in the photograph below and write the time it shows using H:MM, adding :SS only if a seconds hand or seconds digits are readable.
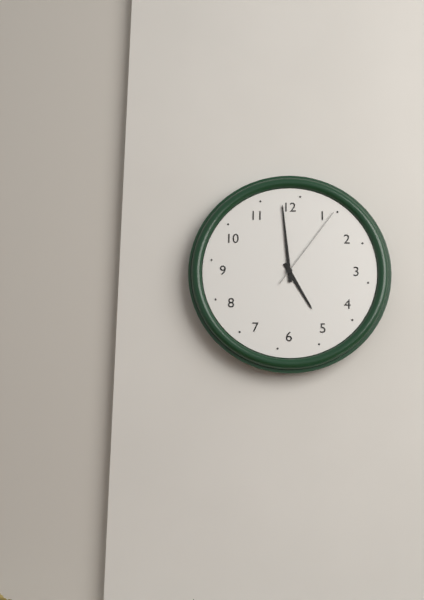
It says 4:59:06
